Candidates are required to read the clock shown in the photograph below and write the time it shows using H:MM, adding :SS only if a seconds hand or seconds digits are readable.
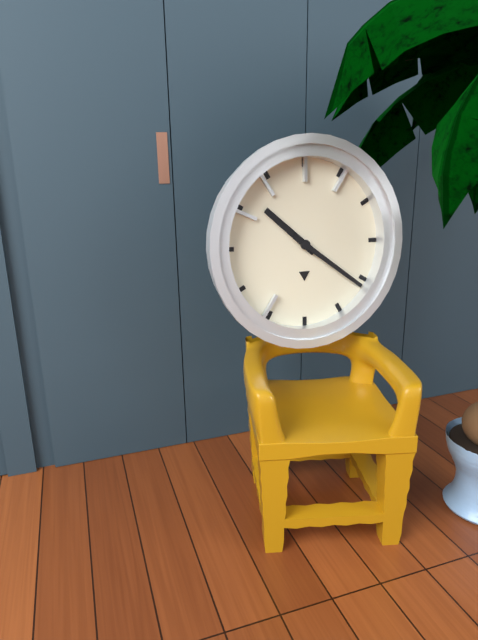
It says 10:21
